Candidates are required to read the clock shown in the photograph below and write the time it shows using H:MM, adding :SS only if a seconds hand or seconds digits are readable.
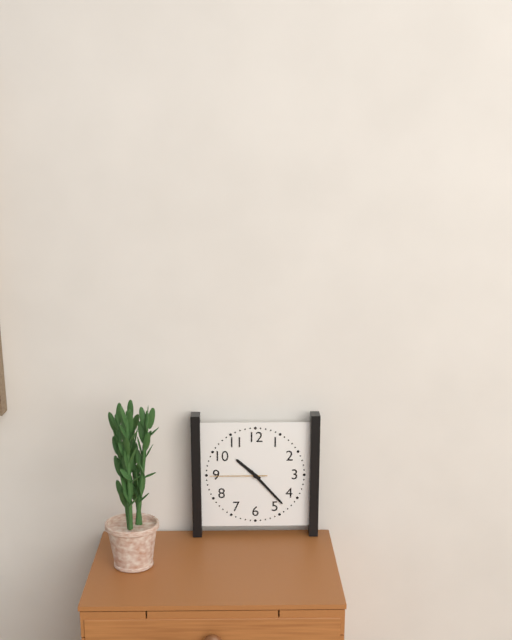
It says 10:23:45
